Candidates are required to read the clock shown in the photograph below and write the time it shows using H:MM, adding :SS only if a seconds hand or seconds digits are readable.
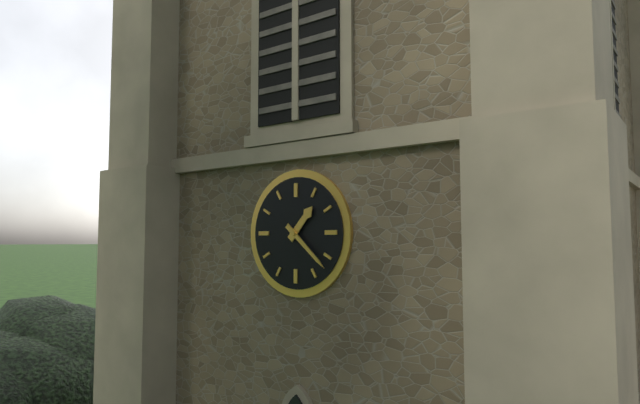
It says 1:22
